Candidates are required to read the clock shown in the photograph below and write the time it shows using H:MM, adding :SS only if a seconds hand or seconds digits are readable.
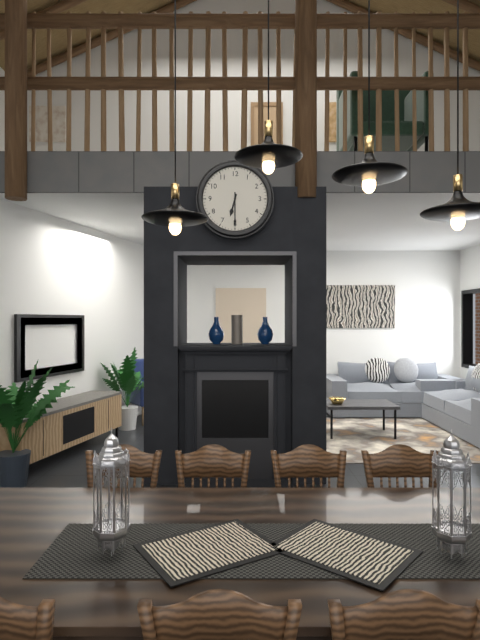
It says 6:30
